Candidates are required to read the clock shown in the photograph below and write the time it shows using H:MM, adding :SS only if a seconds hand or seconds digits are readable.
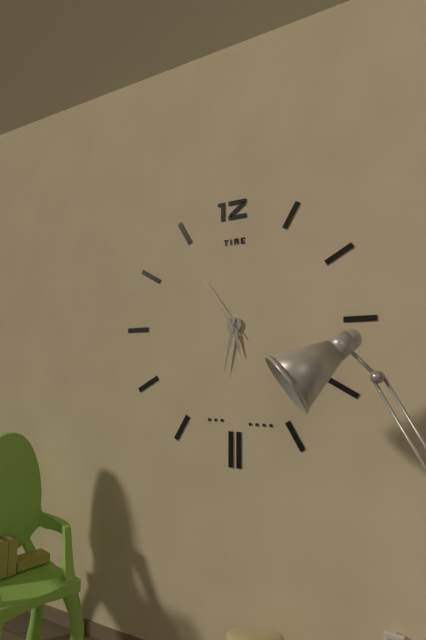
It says 5:32:54
